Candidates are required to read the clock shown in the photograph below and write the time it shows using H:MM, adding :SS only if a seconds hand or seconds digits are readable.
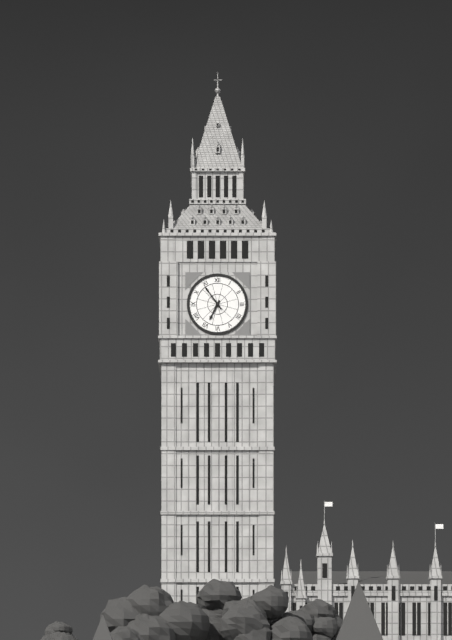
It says 6:54
